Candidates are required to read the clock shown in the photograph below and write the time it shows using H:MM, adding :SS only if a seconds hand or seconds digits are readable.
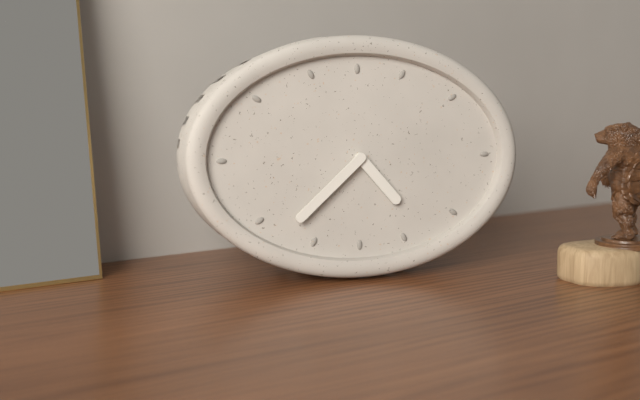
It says 4:38
